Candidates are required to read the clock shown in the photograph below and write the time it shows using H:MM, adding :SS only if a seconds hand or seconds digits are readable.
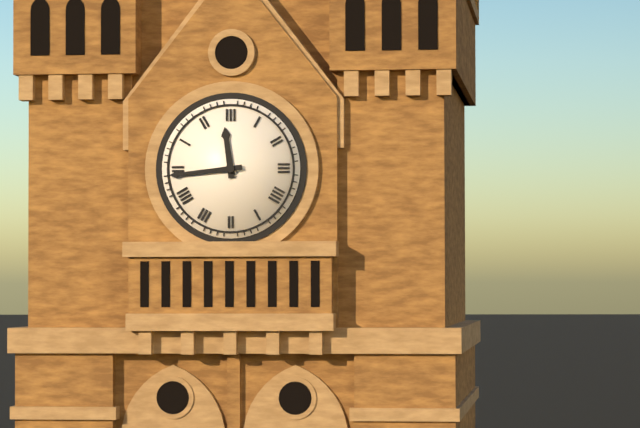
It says 11:44
